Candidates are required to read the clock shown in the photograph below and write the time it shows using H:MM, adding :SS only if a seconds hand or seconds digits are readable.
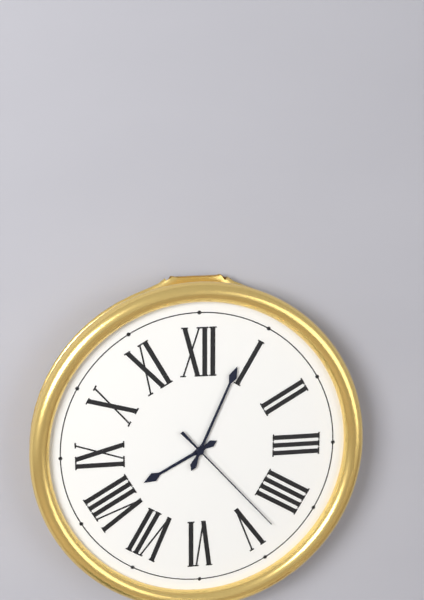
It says 8:04:23
